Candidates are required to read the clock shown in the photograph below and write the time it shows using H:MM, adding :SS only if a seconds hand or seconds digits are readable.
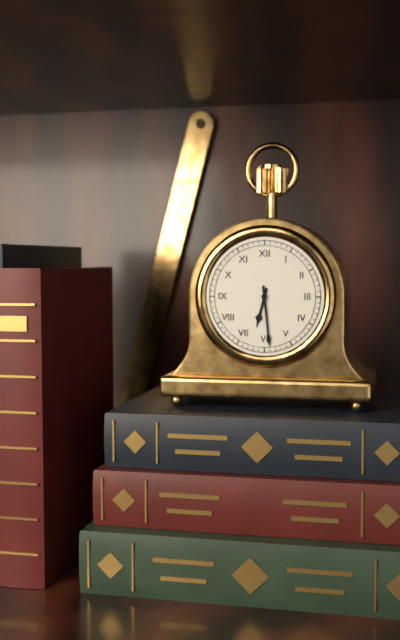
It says 6:29
